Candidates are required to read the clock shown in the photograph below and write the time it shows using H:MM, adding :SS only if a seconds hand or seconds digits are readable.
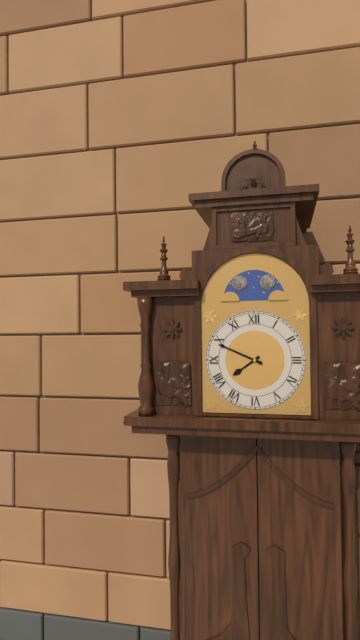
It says 7:49
